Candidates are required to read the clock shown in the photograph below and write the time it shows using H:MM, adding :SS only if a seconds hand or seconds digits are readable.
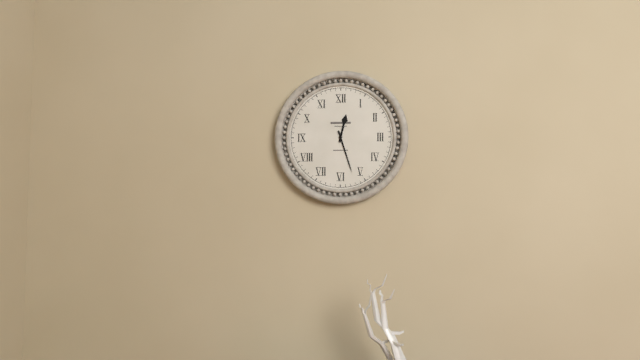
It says 12:27
